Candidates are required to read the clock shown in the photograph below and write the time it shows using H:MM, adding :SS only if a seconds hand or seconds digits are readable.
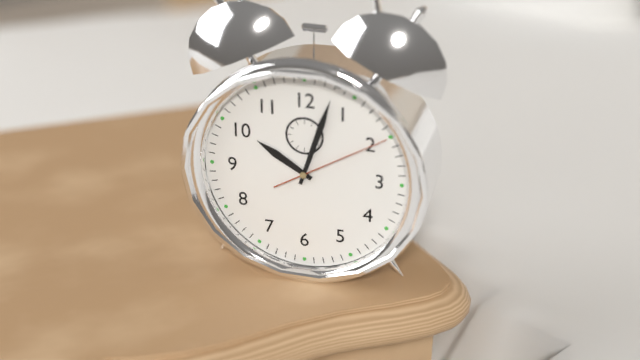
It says 10:03:10
